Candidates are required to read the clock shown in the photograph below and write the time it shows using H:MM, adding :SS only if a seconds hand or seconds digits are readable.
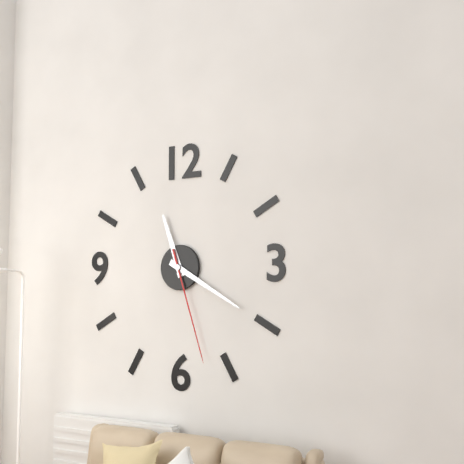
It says 11:20:27
